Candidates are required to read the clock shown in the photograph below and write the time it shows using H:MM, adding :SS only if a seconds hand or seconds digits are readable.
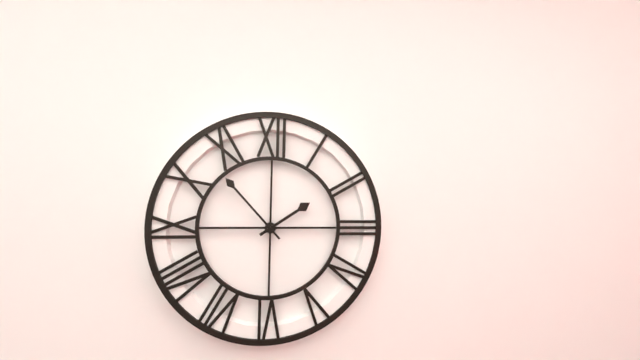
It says 1:53
